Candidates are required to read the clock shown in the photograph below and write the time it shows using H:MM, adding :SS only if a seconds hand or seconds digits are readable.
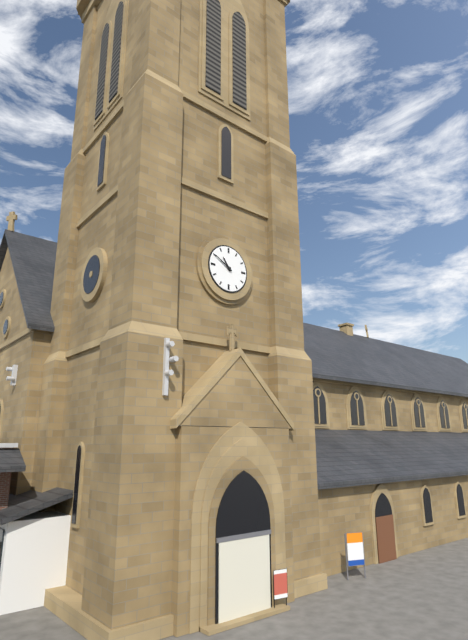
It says 10:50
